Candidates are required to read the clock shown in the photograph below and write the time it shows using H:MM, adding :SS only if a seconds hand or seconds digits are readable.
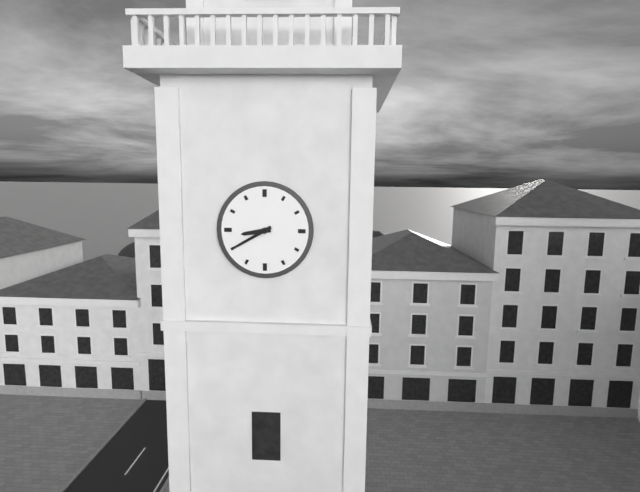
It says 8:40
